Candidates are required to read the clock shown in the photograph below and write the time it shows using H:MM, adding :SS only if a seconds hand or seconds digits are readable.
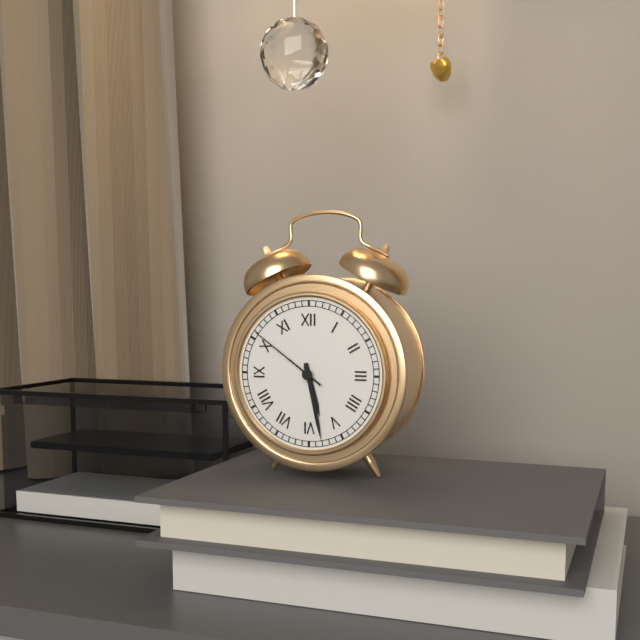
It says 5:28:51
